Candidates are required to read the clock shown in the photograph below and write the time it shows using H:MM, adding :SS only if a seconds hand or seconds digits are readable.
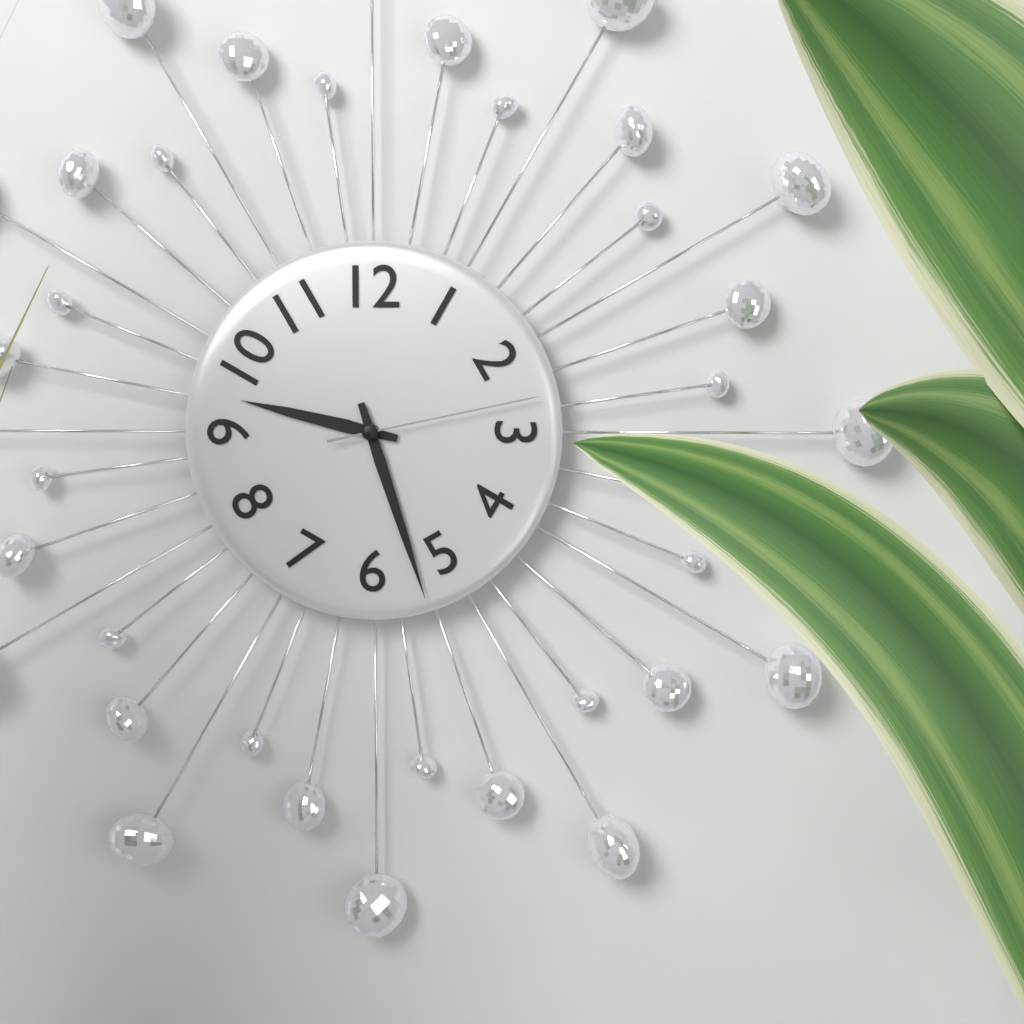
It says 9:27:13
